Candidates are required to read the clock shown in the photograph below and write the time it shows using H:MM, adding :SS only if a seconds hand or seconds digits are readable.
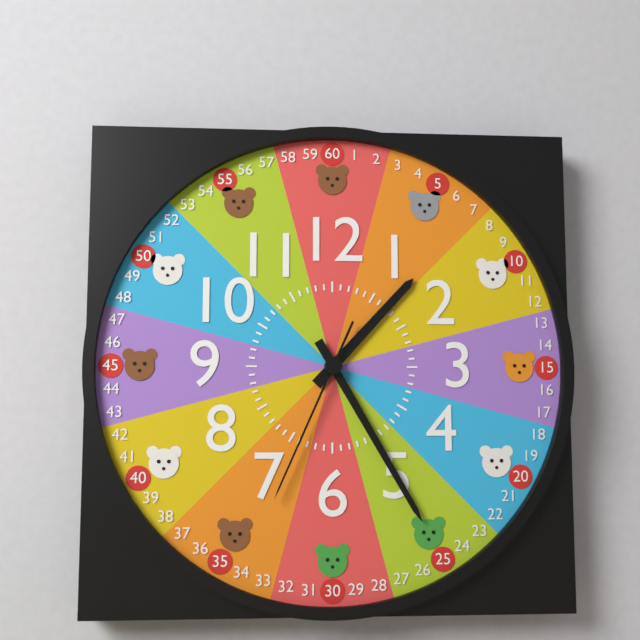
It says 1:25:34
